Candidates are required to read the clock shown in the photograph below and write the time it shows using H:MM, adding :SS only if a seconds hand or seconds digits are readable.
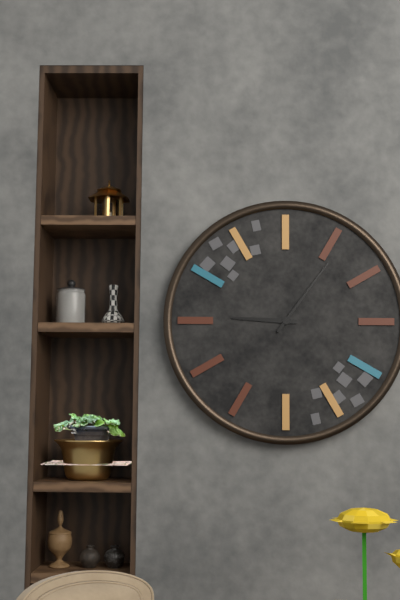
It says 9:06
